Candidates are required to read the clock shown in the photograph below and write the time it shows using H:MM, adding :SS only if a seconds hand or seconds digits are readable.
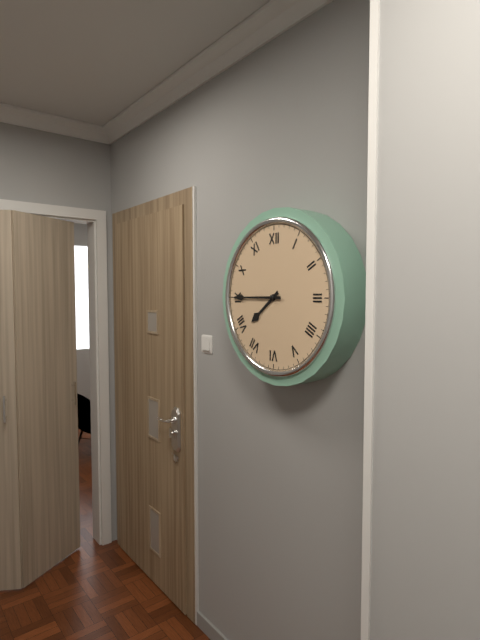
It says 7:45
